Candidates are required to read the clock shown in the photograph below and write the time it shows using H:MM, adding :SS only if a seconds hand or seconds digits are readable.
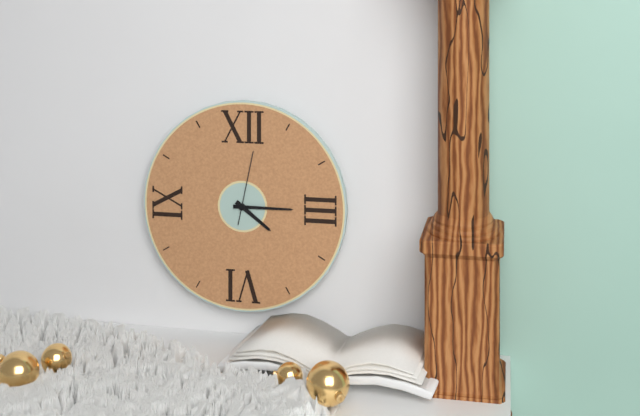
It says 4:15:02
